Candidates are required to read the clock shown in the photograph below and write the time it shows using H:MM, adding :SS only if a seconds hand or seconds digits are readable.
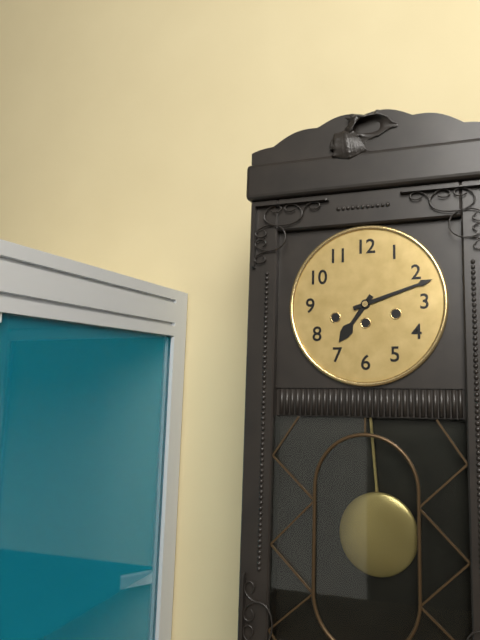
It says 7:12
